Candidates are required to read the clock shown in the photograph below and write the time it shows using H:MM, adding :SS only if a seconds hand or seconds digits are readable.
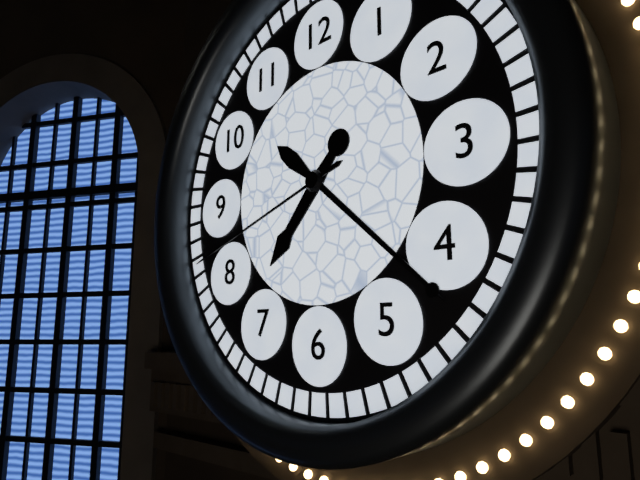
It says 7:22:42
